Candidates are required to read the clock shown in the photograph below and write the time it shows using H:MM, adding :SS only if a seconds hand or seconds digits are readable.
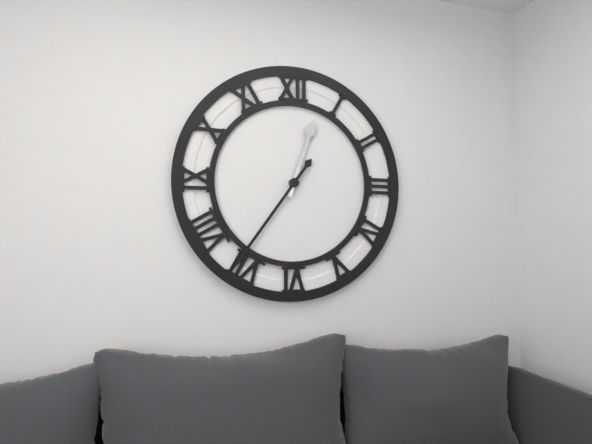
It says 12:36
